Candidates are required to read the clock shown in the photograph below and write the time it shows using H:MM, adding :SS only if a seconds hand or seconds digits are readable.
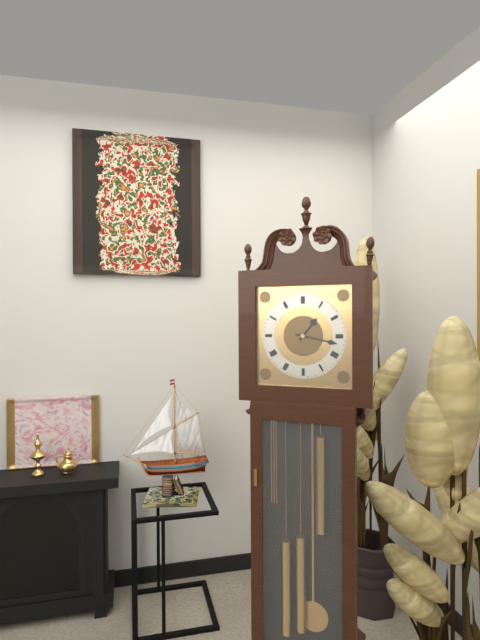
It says 1:17
